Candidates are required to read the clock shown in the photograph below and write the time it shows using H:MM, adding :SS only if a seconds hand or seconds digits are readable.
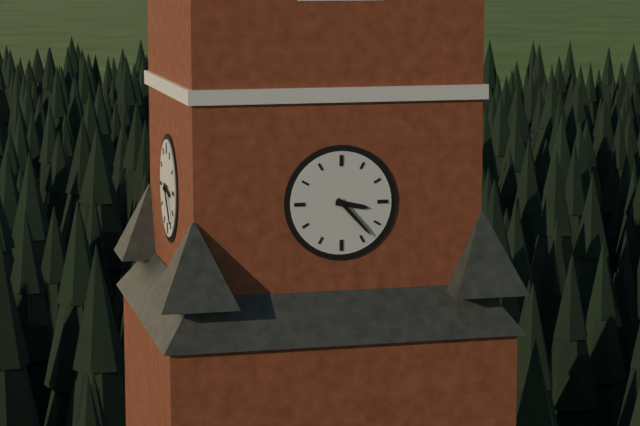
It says 3:23
